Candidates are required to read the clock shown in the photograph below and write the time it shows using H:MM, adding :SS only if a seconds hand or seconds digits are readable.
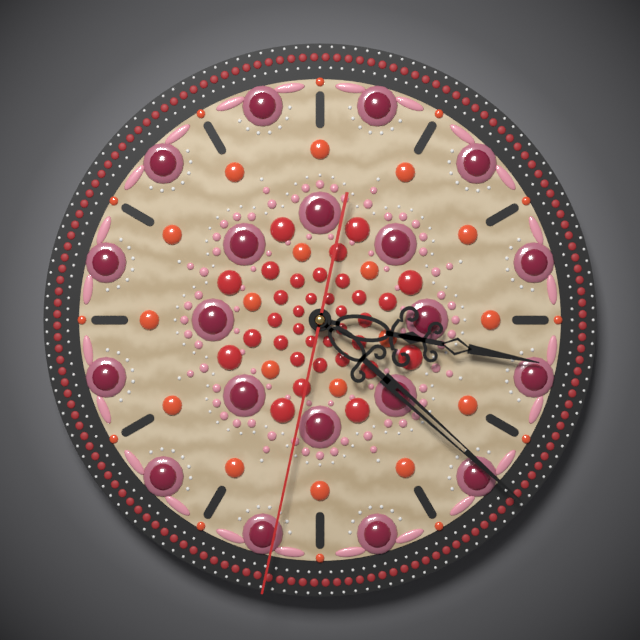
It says 3:22:32
